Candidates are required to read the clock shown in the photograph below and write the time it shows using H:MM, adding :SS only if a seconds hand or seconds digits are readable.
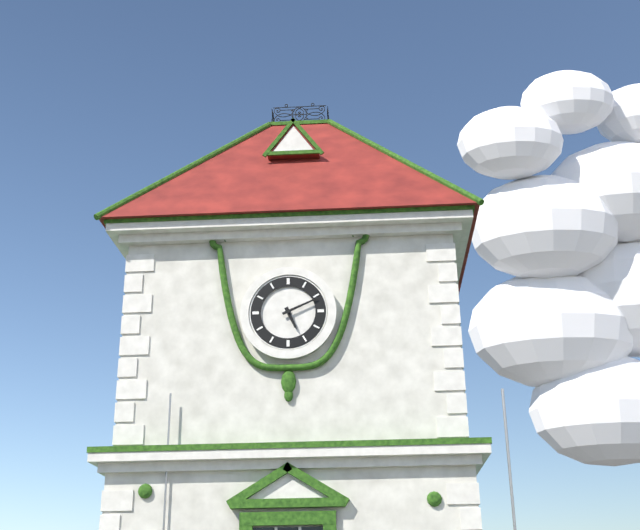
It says 5:11
